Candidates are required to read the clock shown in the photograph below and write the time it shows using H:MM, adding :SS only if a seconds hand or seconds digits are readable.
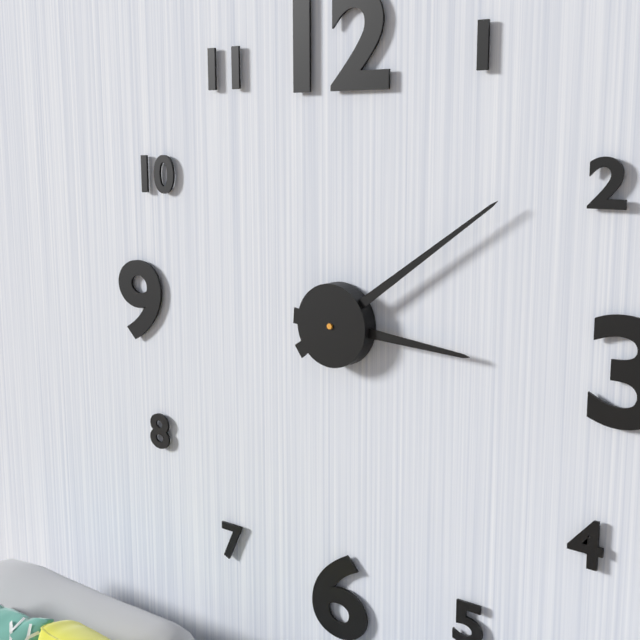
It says 3:09
